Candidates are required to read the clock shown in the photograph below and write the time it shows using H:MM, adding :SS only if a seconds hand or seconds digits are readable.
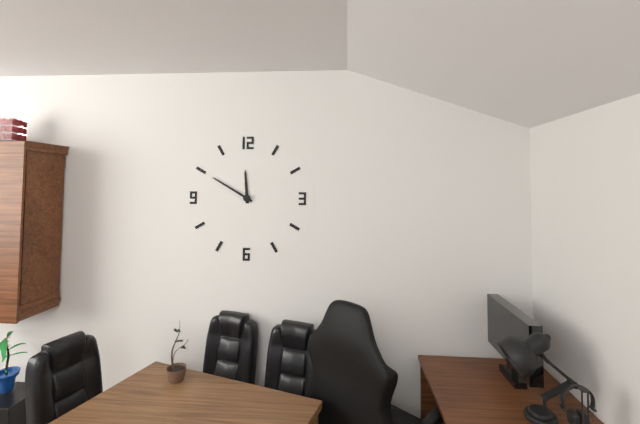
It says 11:50
